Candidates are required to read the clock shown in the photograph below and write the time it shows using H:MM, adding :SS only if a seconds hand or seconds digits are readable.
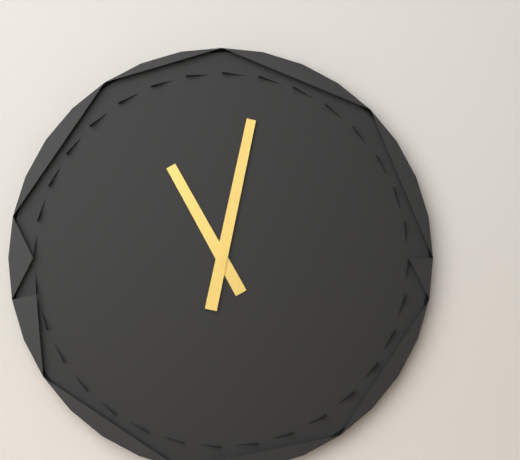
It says 11:02
